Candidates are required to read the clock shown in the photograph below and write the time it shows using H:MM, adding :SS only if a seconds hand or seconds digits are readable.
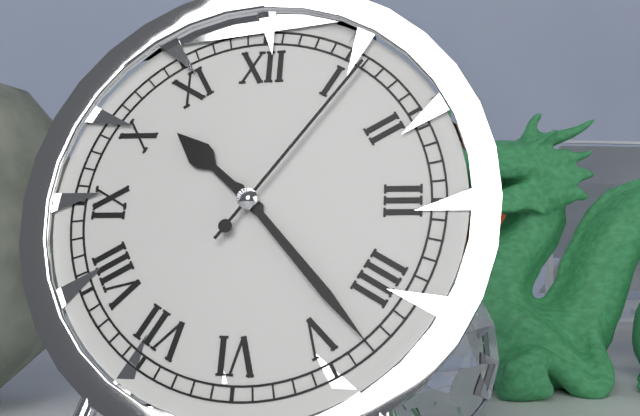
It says 10:23:06
